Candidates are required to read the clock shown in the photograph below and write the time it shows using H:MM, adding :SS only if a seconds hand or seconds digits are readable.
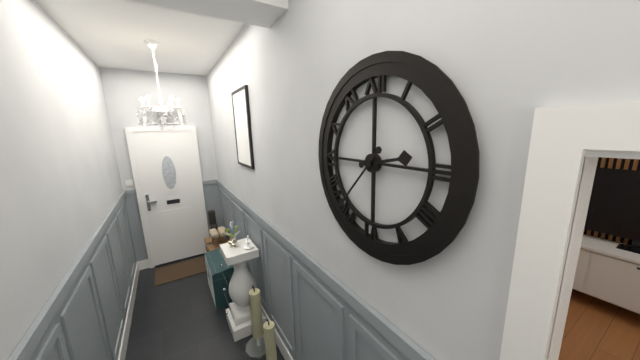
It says 2:37
